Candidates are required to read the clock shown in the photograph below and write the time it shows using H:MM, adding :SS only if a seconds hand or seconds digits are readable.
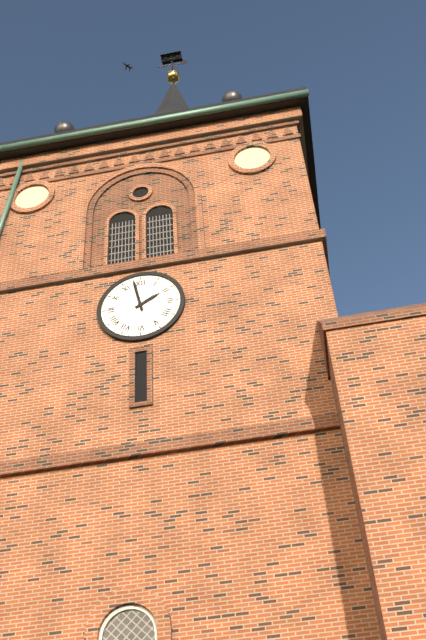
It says 1:58
